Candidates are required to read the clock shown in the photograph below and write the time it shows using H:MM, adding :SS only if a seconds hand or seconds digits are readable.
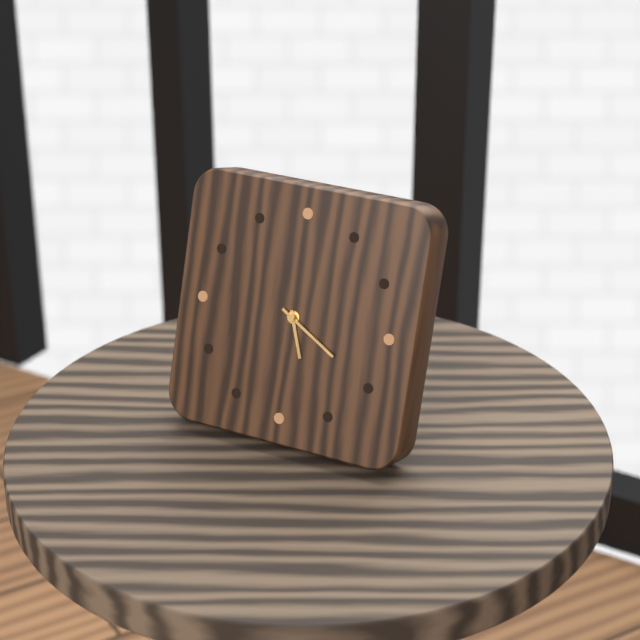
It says 5:20
